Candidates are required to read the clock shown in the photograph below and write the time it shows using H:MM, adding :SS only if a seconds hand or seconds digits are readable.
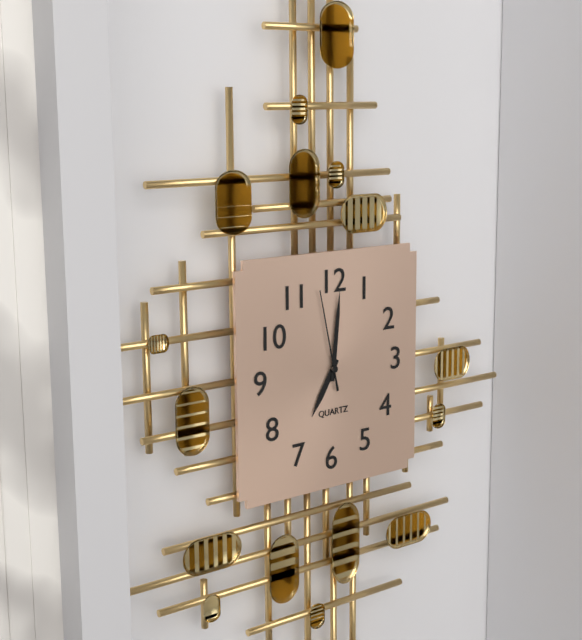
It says 7:01:58
